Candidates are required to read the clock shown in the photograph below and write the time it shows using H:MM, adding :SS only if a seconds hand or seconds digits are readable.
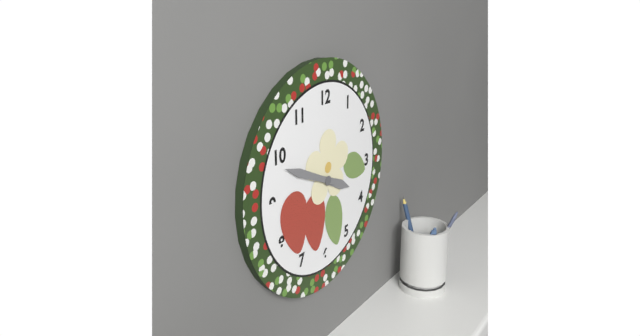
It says 3:49
